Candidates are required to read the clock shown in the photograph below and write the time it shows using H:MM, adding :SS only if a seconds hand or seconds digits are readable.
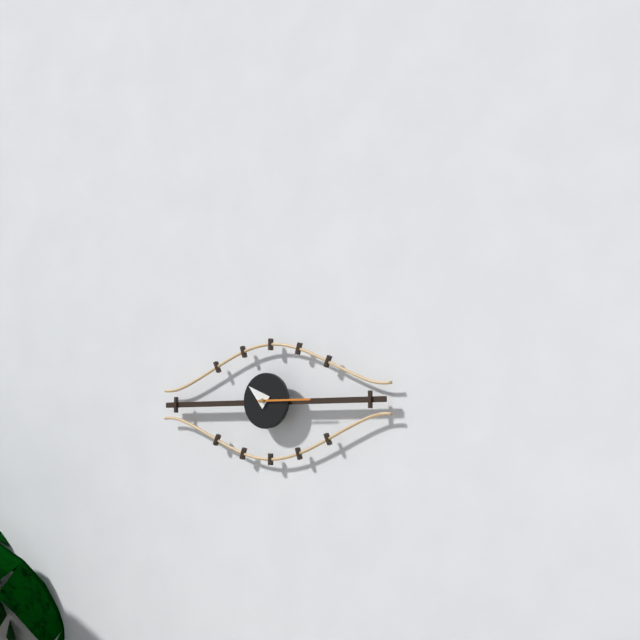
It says 10:15
